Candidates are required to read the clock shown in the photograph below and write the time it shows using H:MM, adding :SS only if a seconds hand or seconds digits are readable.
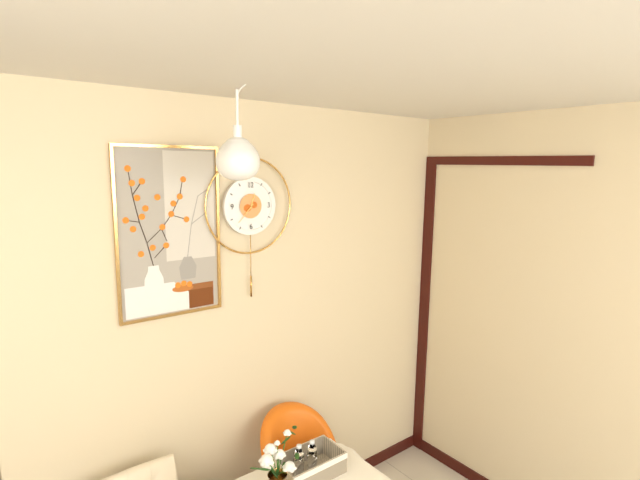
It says 12:37
